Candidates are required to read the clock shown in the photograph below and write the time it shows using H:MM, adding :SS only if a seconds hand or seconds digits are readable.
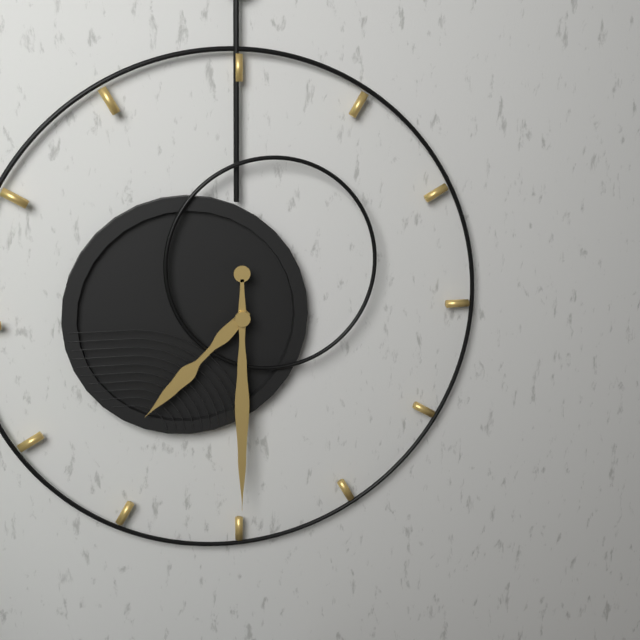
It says 7:30
